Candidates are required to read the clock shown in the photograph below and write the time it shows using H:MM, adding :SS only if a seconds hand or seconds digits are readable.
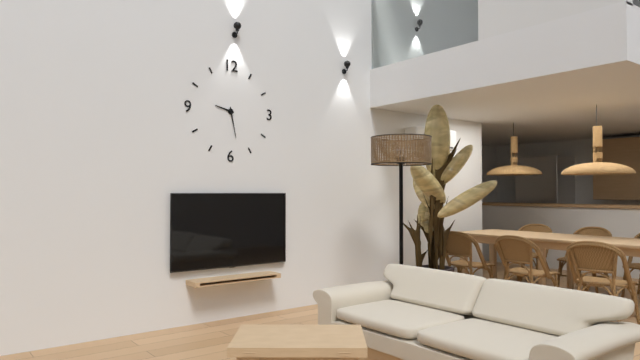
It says 9:28
